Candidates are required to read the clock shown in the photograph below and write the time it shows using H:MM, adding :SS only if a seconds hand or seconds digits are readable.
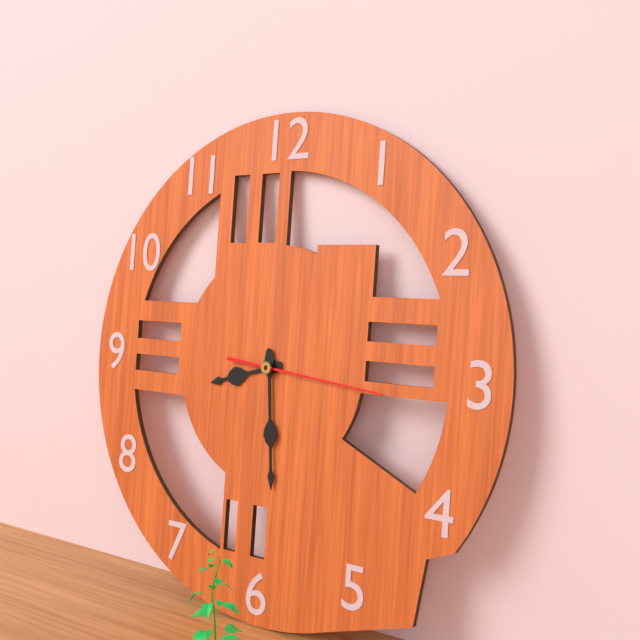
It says 8:29:16
